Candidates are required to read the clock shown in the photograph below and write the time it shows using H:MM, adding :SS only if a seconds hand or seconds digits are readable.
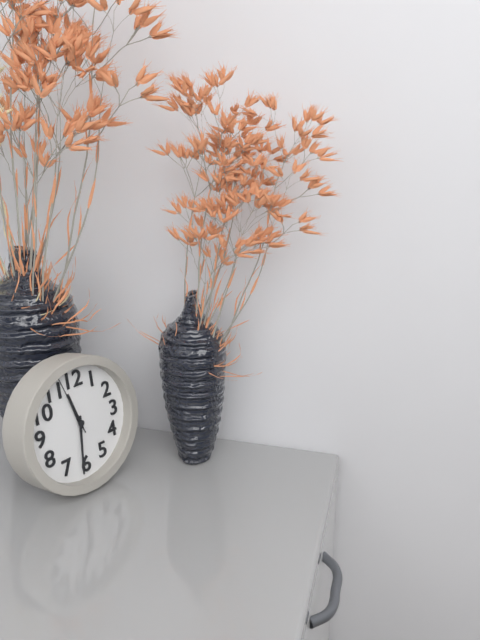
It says 11:31:57
